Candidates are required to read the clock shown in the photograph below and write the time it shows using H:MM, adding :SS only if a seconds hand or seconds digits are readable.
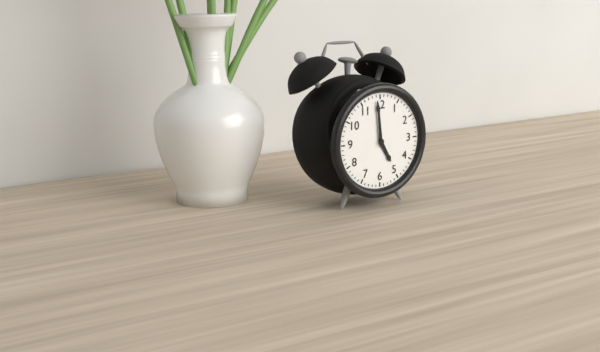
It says 4:59
